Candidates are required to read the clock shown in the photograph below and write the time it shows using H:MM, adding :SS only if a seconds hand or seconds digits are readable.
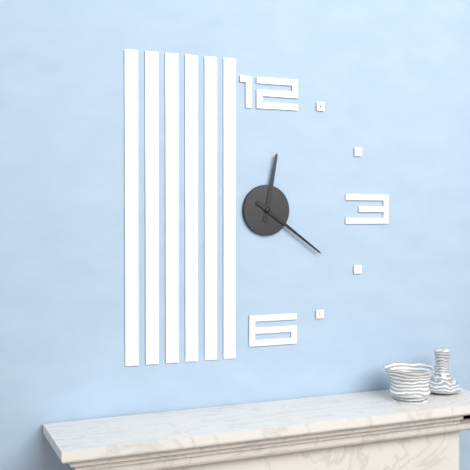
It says 12:21
